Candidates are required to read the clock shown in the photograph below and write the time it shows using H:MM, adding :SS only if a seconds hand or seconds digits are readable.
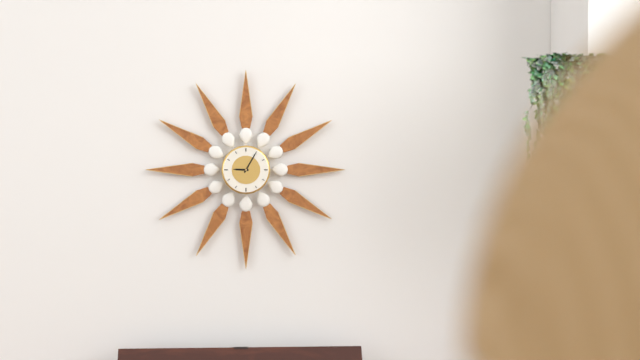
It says 9:05
